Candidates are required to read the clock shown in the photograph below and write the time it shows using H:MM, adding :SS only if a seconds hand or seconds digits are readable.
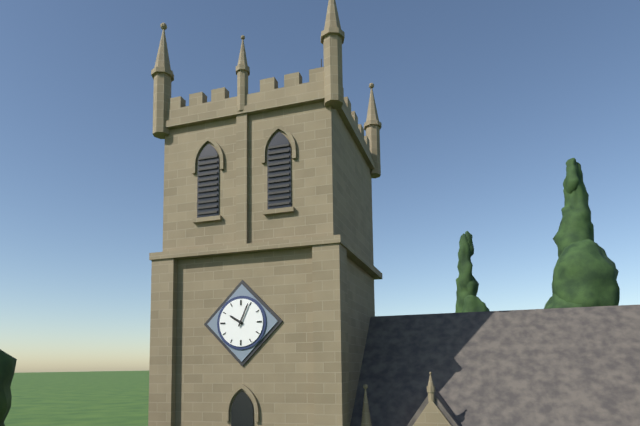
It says 10:04
